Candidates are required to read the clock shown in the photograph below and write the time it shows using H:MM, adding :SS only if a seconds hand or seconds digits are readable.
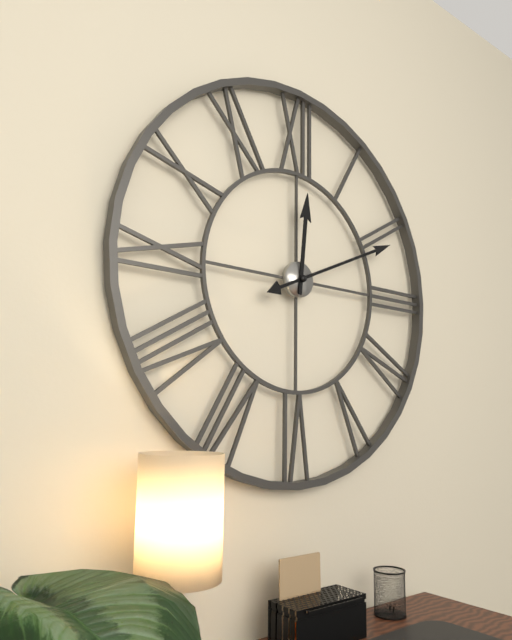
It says 12:11
